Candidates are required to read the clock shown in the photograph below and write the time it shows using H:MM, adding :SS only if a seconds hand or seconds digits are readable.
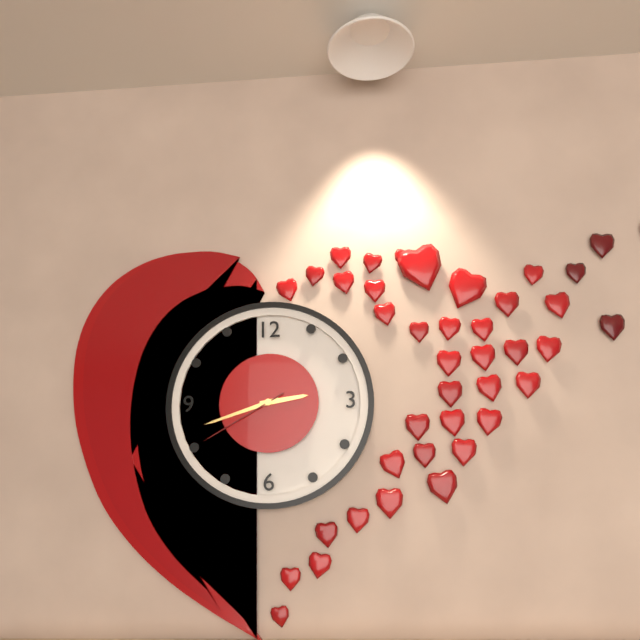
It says 2:42:40
